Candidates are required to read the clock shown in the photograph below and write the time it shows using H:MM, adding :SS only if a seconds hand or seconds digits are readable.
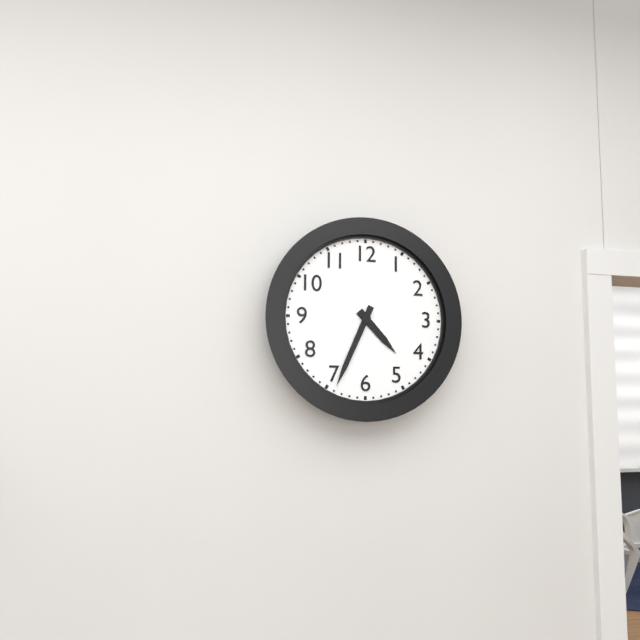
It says 4:34
